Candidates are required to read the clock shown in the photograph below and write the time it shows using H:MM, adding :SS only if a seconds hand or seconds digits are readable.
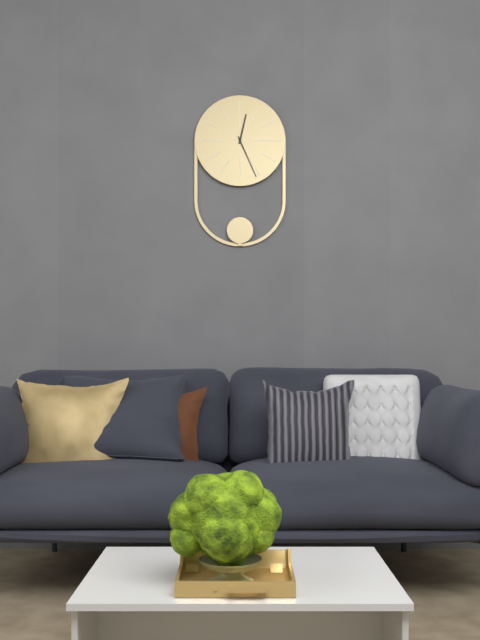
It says 12:26
